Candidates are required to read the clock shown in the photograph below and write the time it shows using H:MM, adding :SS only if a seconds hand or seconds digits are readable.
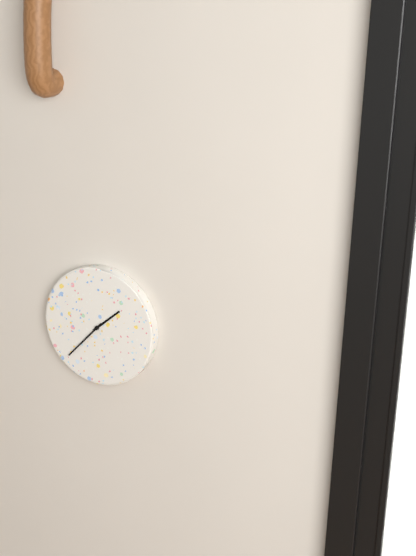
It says 1:37
